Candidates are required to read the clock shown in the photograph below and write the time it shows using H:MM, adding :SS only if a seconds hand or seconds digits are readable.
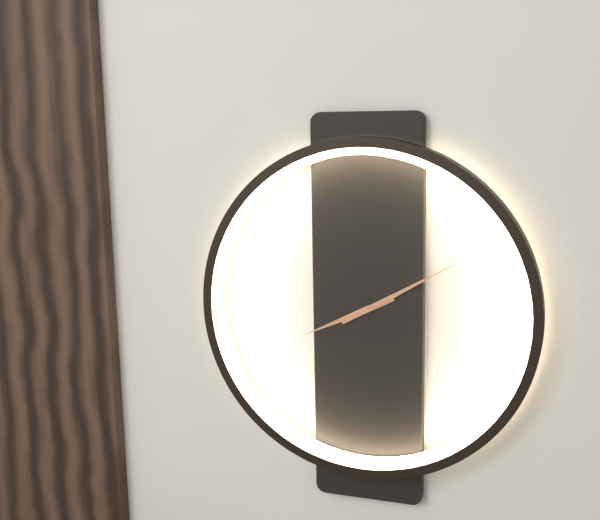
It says 8:10
